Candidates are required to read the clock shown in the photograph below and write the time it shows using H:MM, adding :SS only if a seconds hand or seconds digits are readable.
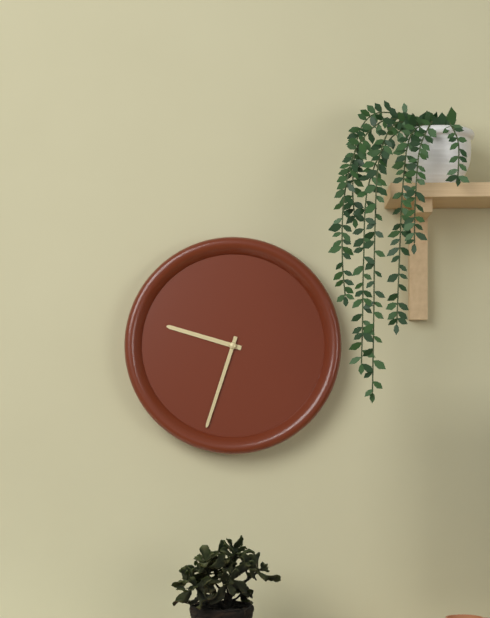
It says 9:33
